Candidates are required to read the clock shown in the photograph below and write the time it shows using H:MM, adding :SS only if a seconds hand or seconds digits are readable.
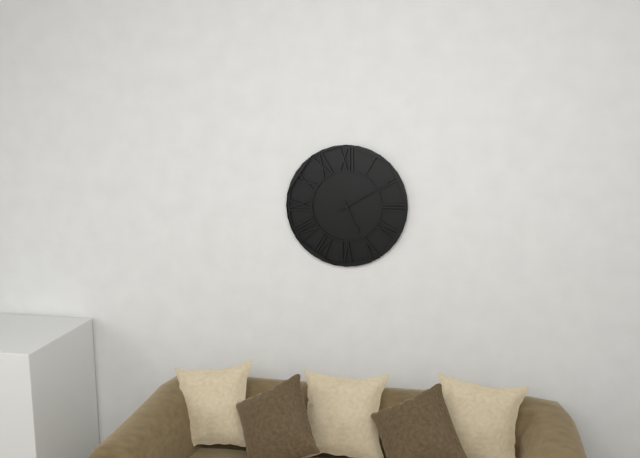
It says 5:10
